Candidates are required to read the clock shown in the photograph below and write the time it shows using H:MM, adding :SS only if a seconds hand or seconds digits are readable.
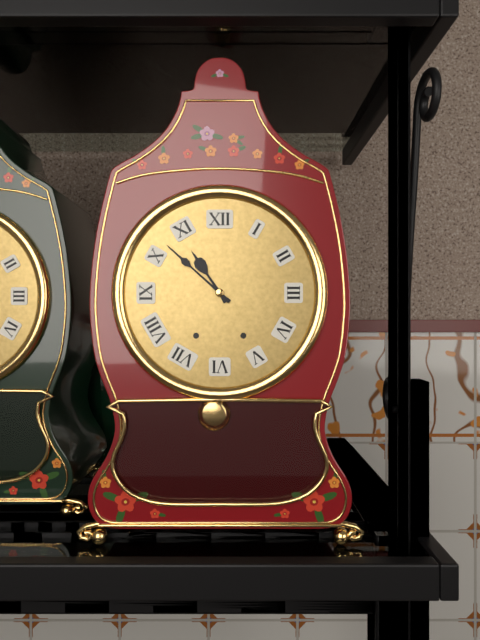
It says 10:52
